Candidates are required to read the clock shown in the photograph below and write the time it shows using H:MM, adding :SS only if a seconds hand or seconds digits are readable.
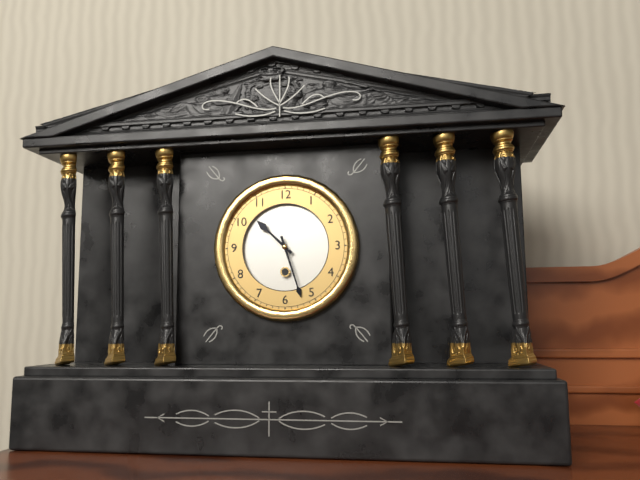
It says 10:27
